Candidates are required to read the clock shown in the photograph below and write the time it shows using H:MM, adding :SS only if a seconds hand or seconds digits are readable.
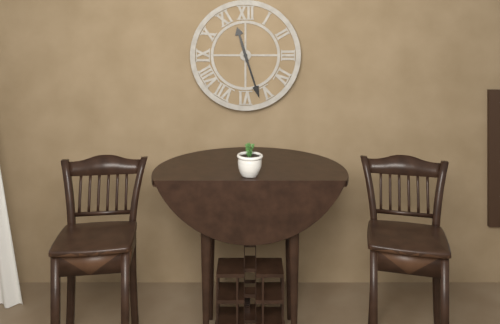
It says 11:27
